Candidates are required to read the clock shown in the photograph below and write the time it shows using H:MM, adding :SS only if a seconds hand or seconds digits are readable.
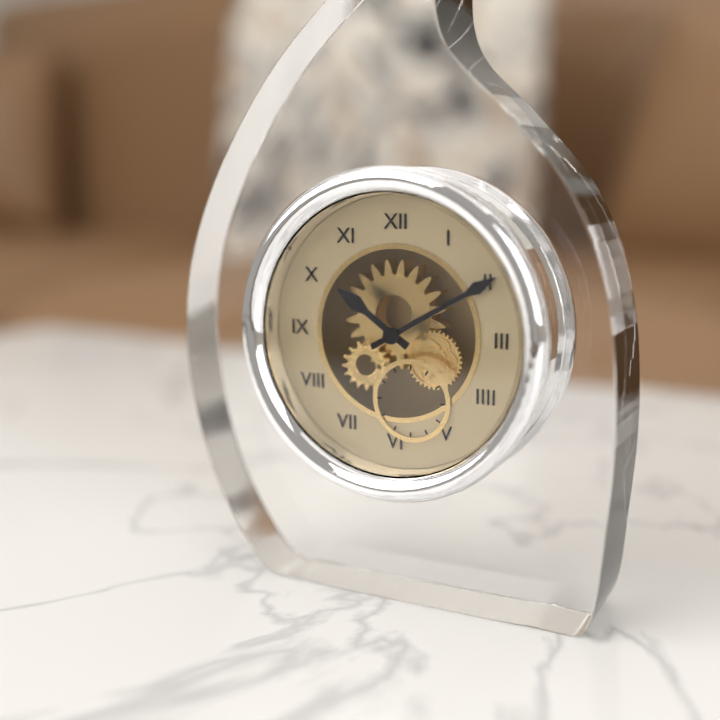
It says 10:10
